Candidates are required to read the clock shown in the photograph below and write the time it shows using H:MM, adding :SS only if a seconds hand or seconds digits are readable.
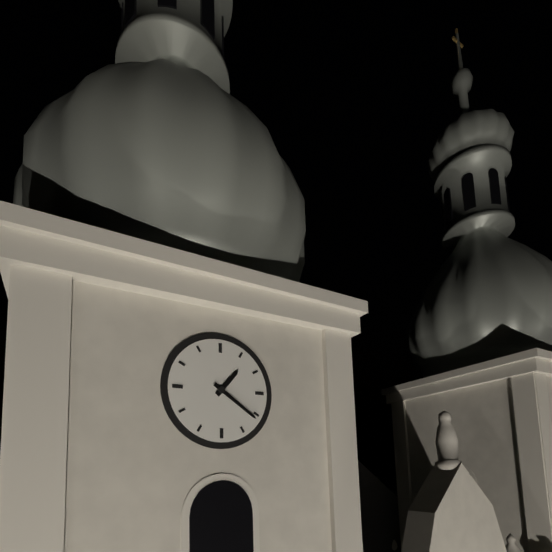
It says 1:21
